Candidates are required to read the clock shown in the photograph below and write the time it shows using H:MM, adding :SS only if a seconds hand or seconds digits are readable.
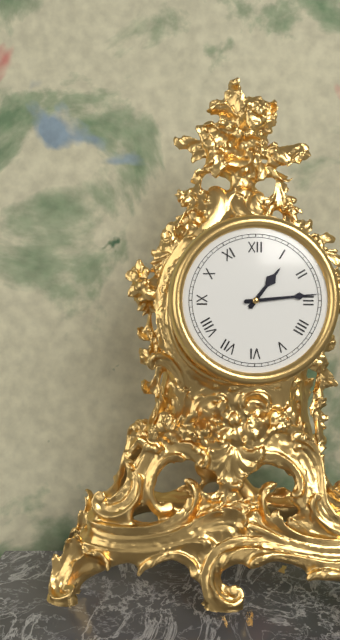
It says 1:14
